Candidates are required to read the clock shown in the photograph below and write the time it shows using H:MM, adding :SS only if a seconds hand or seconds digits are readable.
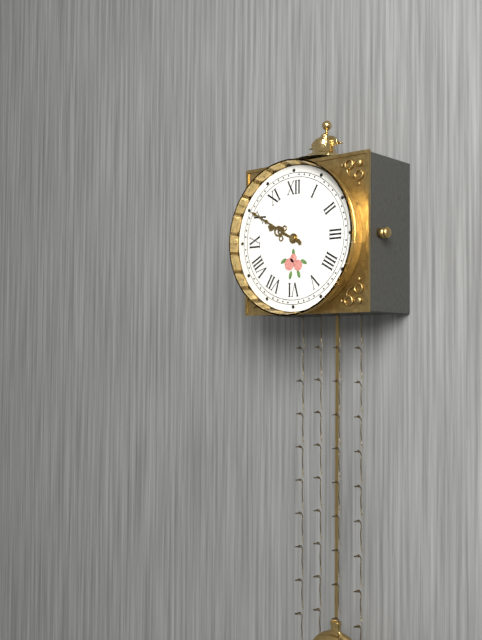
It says 9:50
